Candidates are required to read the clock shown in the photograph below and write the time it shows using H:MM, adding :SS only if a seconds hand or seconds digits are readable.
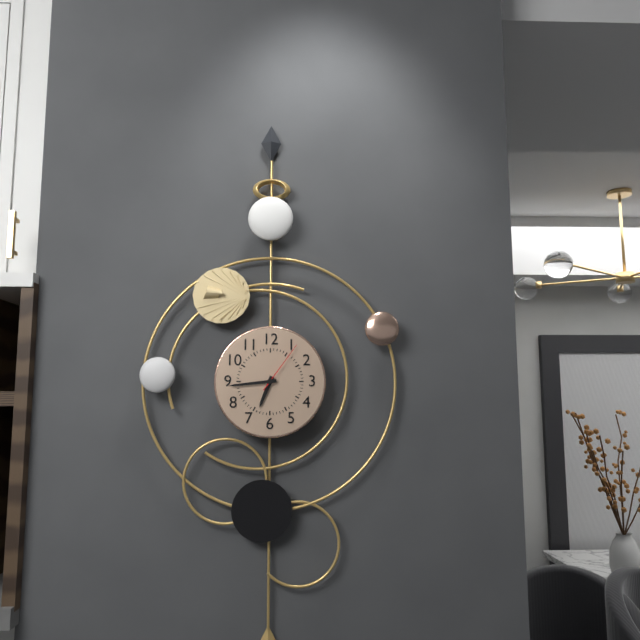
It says 6:44:06
